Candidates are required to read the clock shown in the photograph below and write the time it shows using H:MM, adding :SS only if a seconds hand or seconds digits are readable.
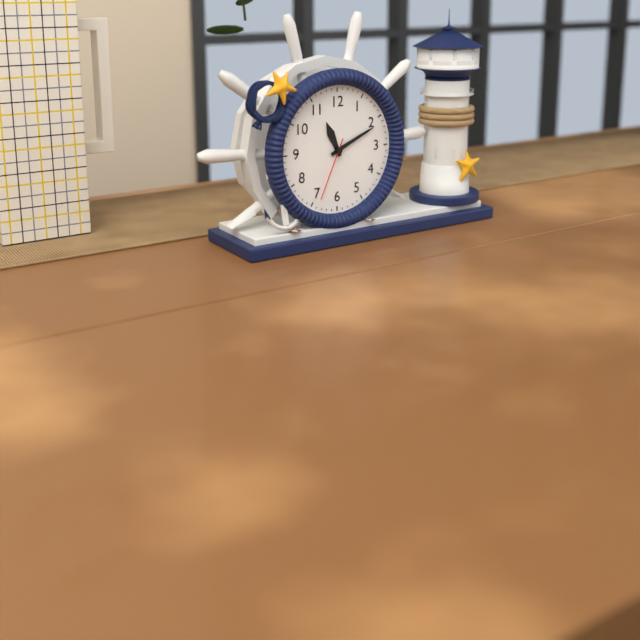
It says 11:11:34
